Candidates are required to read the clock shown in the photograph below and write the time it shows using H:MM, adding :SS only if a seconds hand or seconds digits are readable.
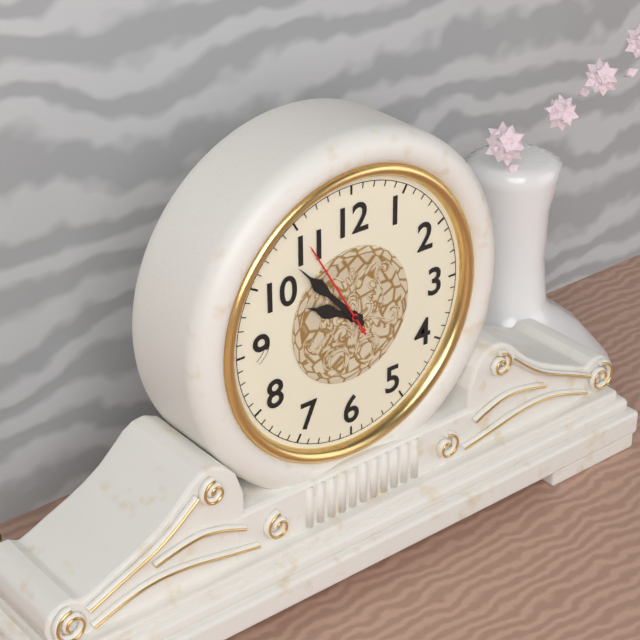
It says 9:53:55
